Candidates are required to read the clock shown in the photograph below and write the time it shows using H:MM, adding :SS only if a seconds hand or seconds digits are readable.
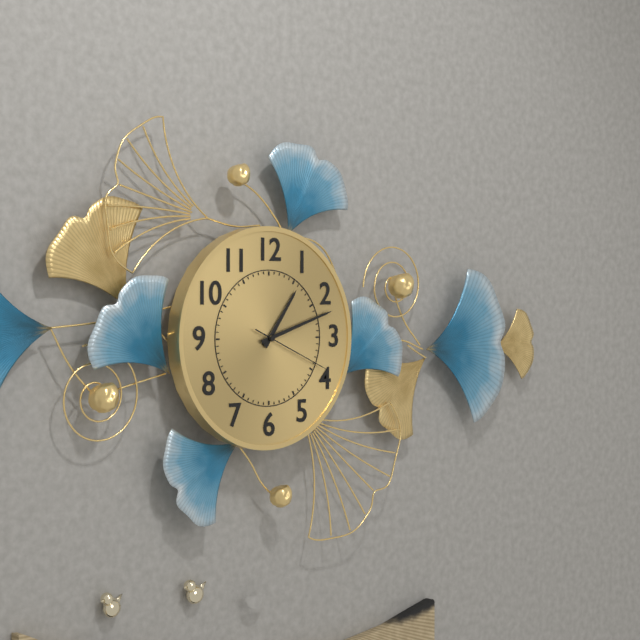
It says 1:12:19
